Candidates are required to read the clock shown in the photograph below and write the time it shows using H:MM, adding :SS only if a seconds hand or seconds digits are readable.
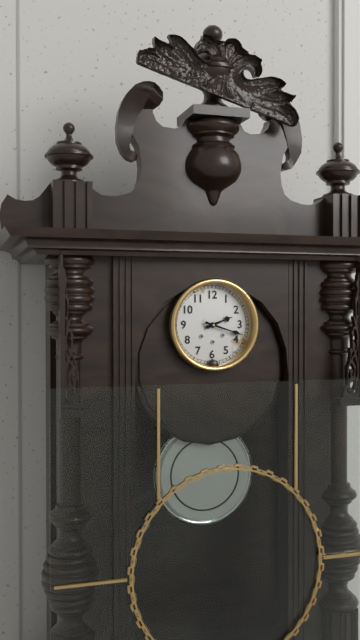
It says 2:18
